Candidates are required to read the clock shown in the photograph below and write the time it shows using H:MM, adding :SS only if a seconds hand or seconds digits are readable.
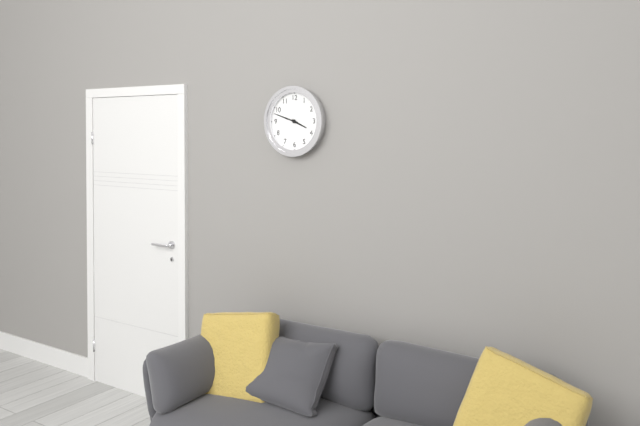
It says 3:48
